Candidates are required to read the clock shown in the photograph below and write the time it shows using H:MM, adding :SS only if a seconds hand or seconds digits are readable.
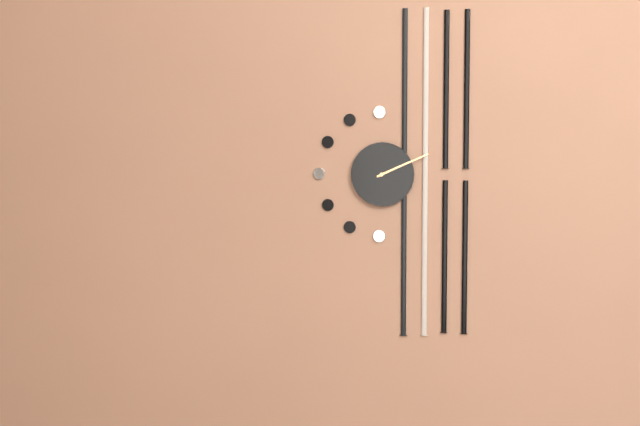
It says 2:11
